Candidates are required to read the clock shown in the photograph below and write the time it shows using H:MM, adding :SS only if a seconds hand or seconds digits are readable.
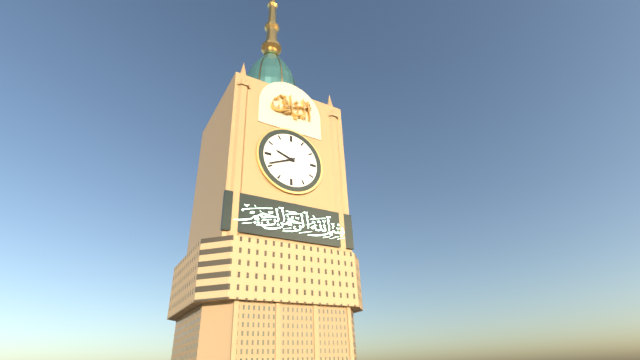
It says 9:41
